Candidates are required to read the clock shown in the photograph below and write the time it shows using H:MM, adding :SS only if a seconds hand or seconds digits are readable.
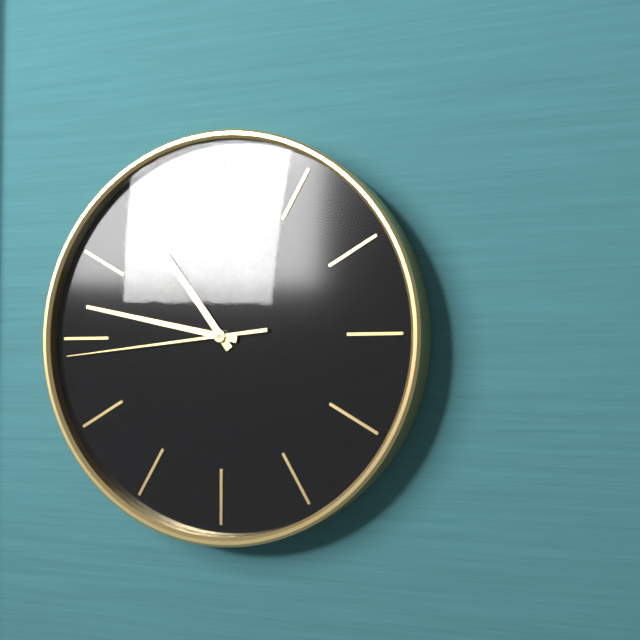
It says 10:47:44
